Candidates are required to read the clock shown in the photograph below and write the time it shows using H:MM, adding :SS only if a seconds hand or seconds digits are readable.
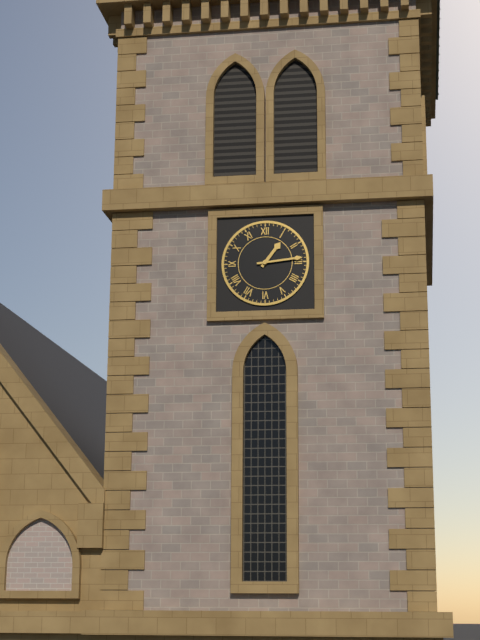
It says 1:14
